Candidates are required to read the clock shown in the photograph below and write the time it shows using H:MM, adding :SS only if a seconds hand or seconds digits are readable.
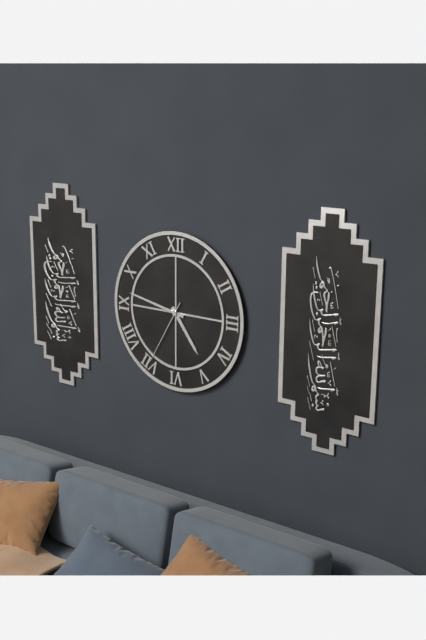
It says 4:47:35
